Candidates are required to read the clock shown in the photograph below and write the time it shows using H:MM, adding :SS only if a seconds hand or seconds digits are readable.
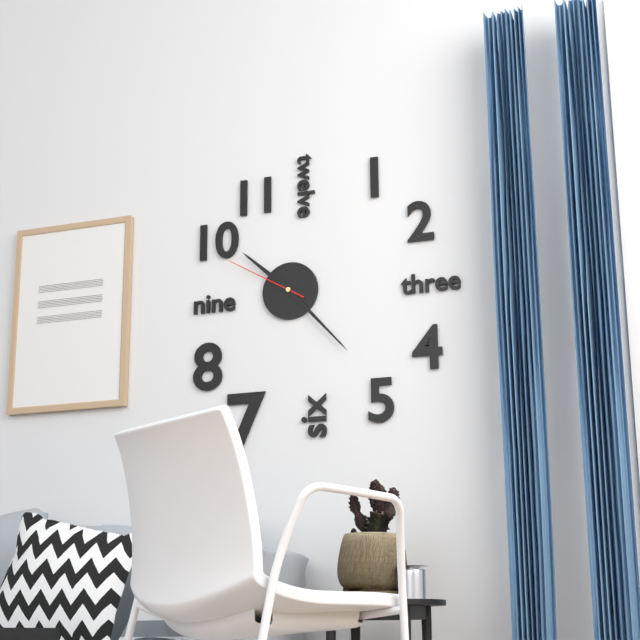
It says 10:23:50
